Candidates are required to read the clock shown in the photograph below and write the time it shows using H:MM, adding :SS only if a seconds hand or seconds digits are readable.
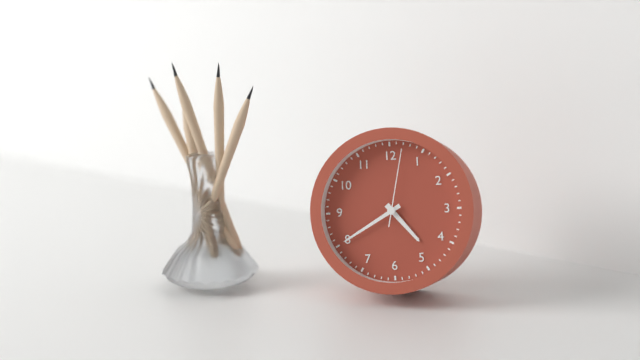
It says 4:40:02
